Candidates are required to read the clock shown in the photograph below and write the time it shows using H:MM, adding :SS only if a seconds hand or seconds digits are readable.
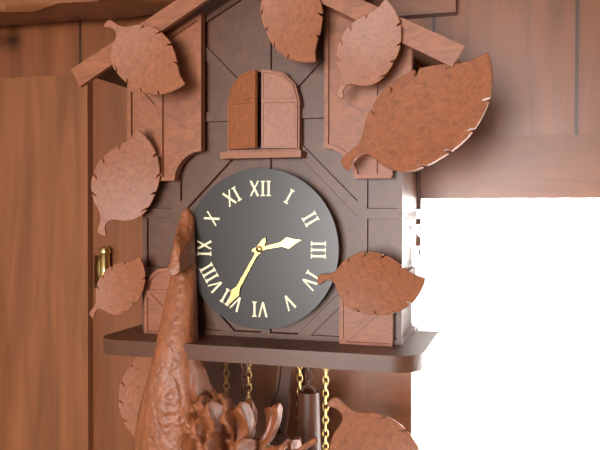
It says 2:35
